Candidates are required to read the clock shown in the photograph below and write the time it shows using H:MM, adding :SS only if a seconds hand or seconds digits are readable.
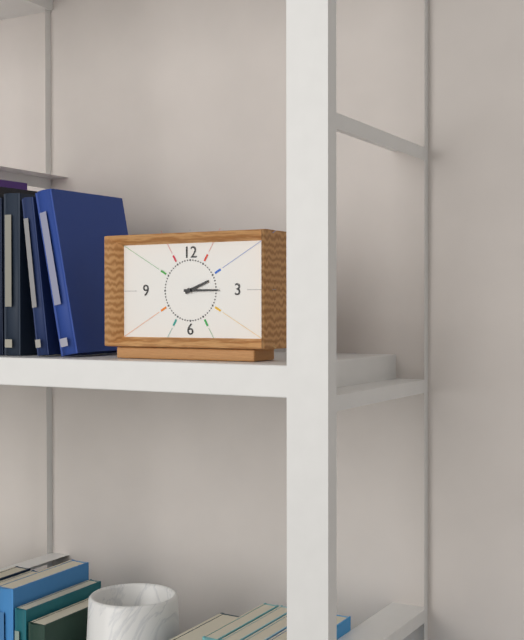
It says 2:15
